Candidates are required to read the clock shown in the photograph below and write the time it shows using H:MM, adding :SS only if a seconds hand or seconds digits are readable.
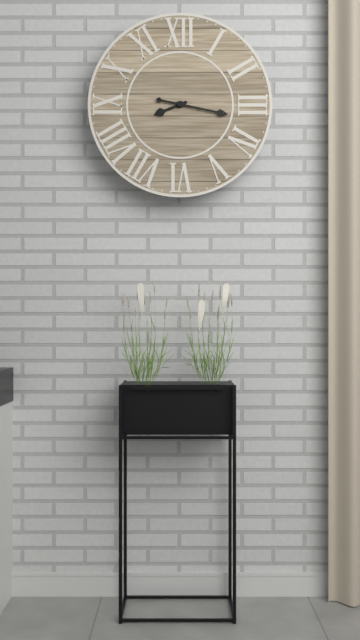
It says 8:17
